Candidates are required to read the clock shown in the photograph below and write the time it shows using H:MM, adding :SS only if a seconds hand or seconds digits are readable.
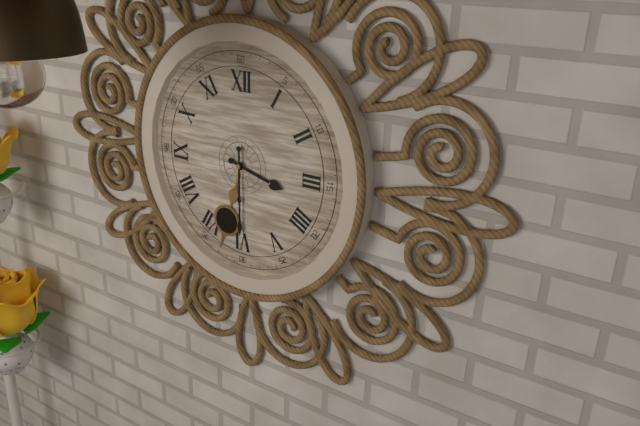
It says 3:30
